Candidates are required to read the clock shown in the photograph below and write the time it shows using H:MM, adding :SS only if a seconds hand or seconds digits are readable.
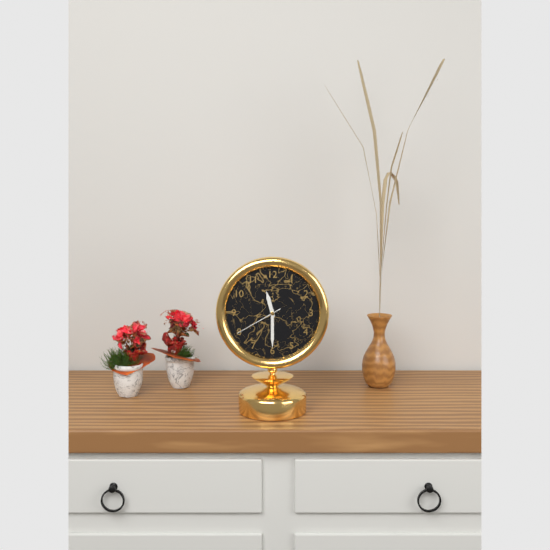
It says 11:30:40
